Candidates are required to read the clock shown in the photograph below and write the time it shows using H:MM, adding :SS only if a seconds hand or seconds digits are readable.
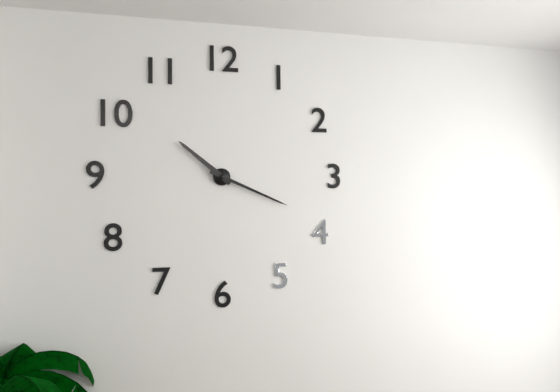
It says 10:19
